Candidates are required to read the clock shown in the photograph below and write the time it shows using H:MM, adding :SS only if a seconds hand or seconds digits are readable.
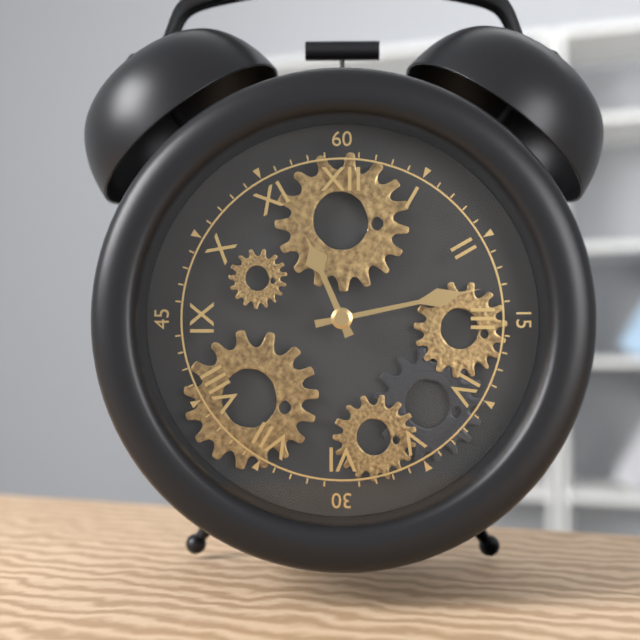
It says 11:13
